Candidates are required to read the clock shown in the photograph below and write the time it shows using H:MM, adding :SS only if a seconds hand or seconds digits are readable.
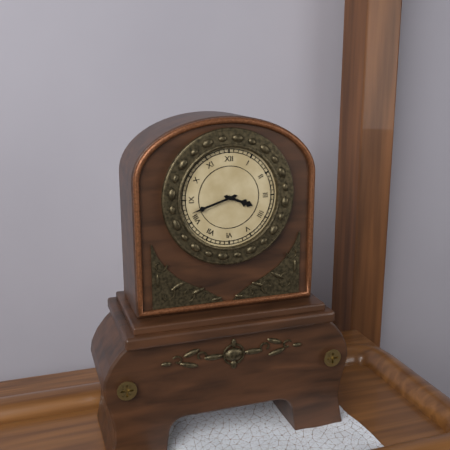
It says 3:42
